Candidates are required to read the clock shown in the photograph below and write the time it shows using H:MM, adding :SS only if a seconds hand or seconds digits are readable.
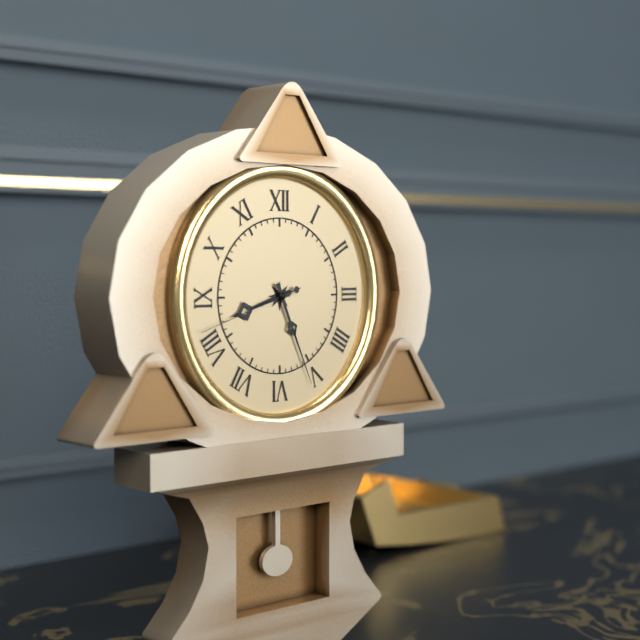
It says 8:26:42
